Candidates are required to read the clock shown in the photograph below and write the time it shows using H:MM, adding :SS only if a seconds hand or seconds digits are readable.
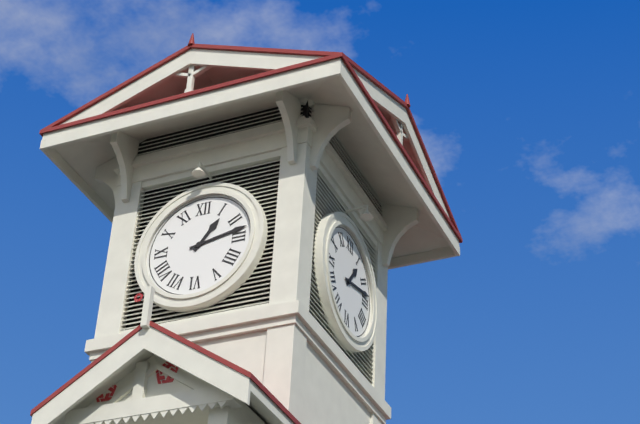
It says 1:13
